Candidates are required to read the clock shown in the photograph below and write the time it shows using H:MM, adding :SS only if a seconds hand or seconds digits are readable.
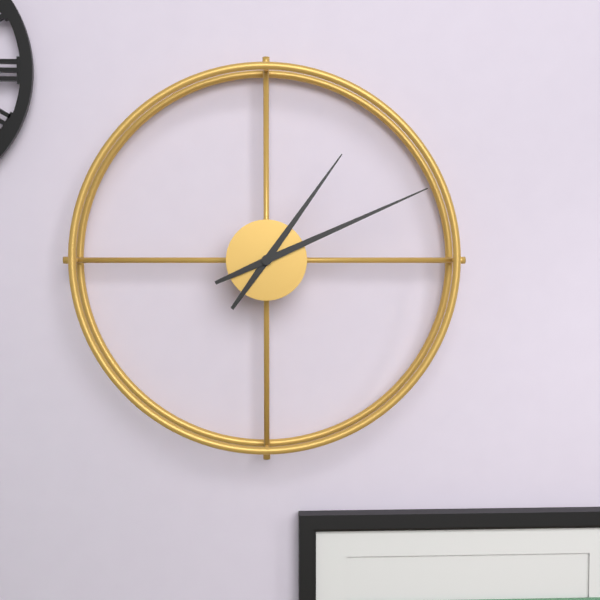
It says 1:11
